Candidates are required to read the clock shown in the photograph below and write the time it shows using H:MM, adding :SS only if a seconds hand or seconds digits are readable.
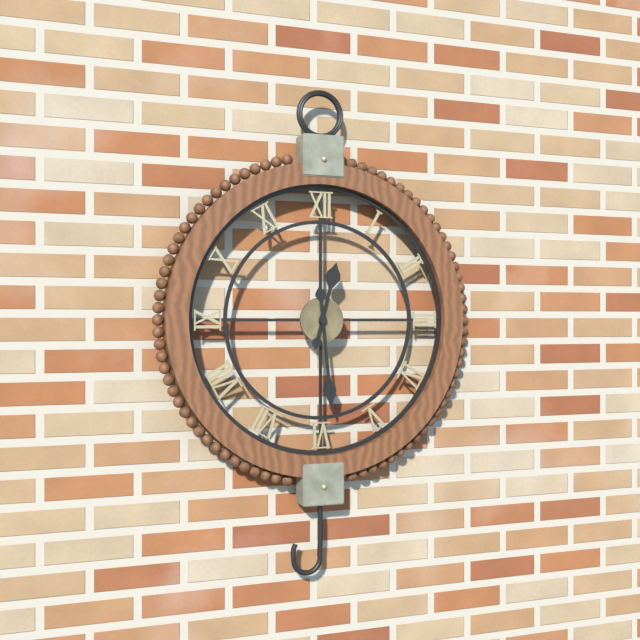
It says 12:29
